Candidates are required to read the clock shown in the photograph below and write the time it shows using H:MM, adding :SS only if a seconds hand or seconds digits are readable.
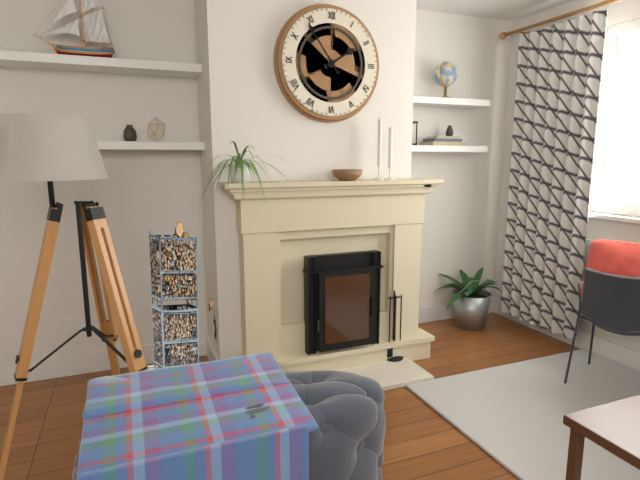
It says 1:54
